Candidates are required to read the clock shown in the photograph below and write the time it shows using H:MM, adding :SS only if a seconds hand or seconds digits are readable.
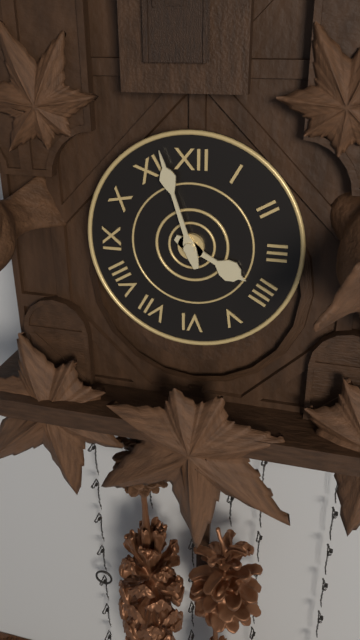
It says 3:57
